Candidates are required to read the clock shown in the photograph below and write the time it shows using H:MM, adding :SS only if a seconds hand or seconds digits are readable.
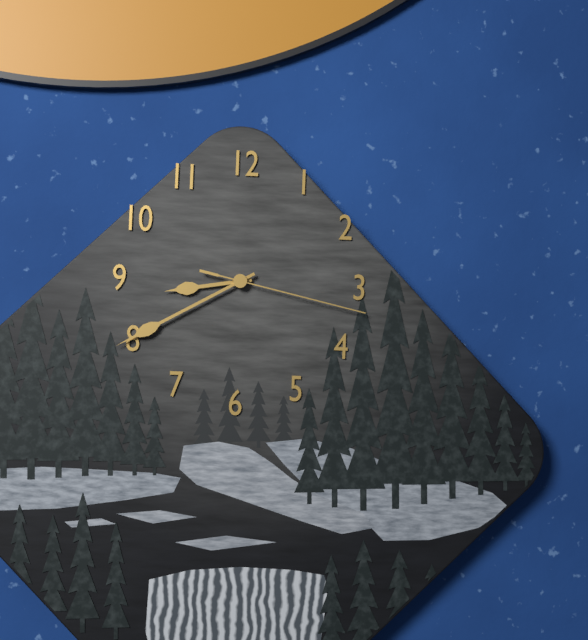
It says 8:40:17
